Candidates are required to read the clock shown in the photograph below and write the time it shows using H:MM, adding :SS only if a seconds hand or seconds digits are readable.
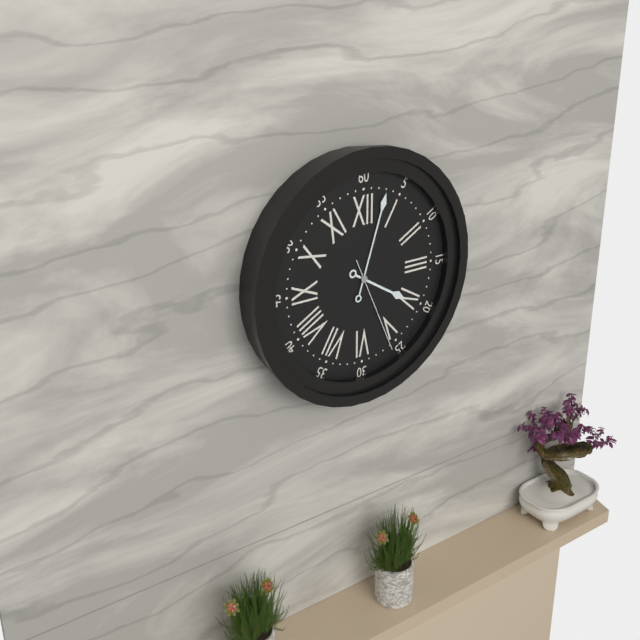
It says 4:03:26
